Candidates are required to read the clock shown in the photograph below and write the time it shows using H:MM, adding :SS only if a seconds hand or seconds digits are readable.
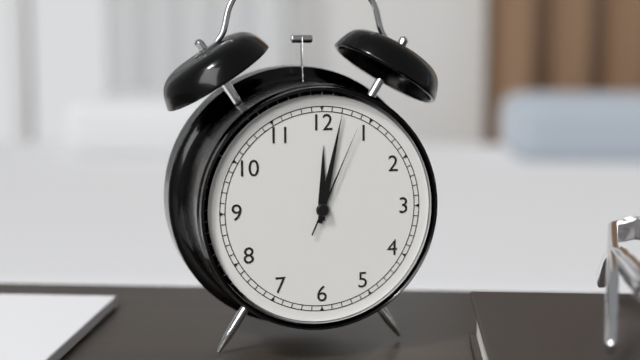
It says 12:02:04
